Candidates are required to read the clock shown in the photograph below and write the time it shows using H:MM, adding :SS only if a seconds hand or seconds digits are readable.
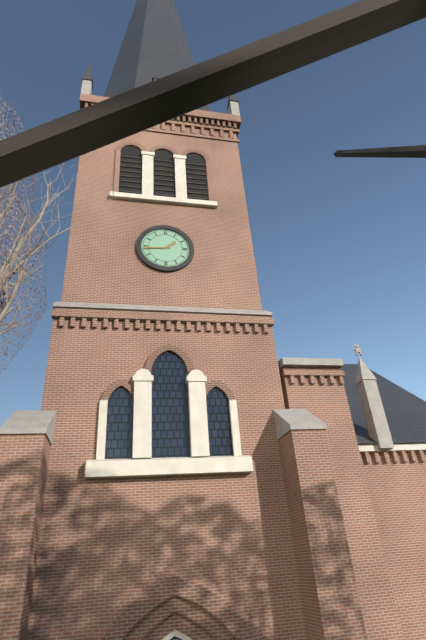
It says 1:44
